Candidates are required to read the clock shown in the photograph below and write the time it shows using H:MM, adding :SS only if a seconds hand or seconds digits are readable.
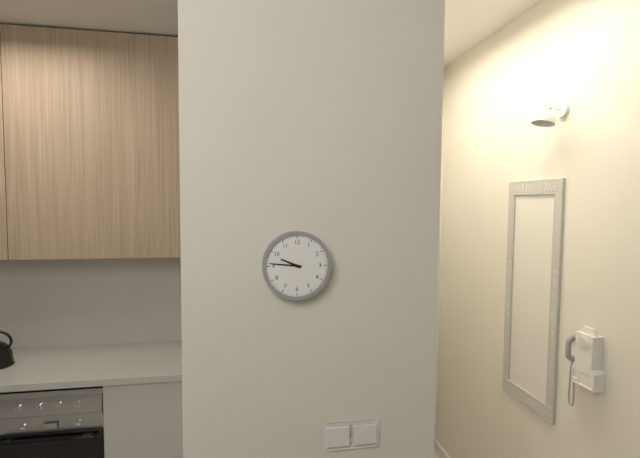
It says 9:46
